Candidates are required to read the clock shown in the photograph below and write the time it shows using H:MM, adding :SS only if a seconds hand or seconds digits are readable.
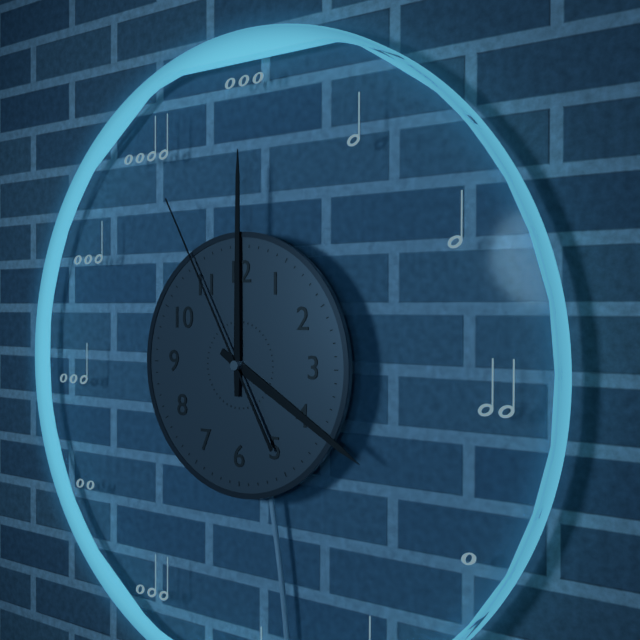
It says 4:00:55
